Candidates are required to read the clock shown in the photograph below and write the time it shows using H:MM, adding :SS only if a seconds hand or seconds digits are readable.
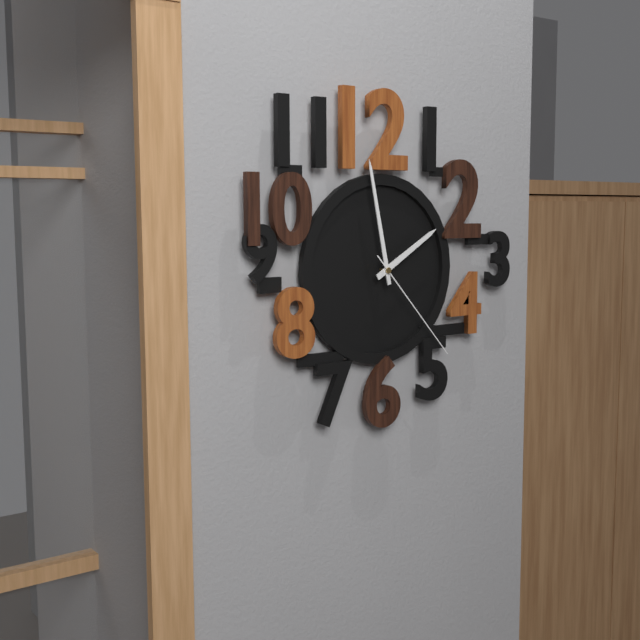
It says 1:58:23
